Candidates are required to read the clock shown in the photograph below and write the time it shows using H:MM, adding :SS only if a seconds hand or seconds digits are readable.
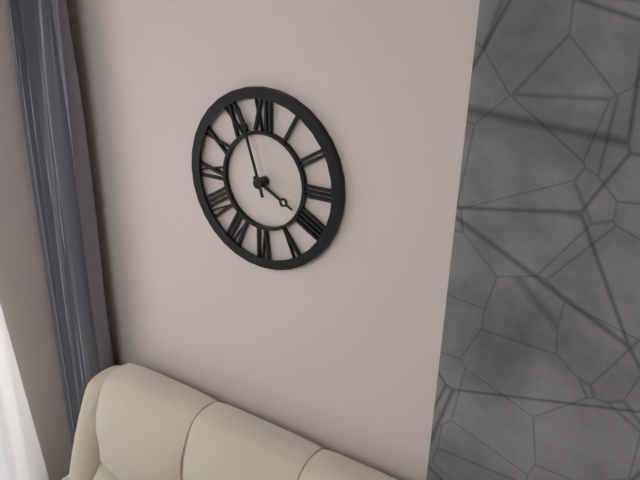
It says 3:57
